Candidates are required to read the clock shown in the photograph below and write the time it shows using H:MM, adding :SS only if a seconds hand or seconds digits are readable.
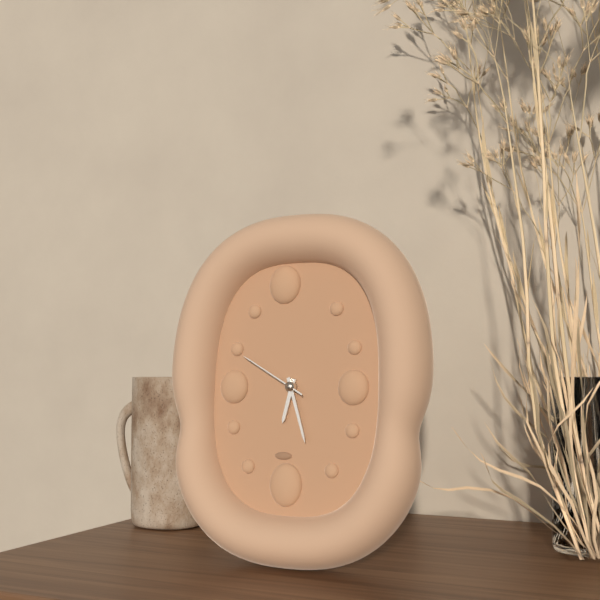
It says 6:27:50
